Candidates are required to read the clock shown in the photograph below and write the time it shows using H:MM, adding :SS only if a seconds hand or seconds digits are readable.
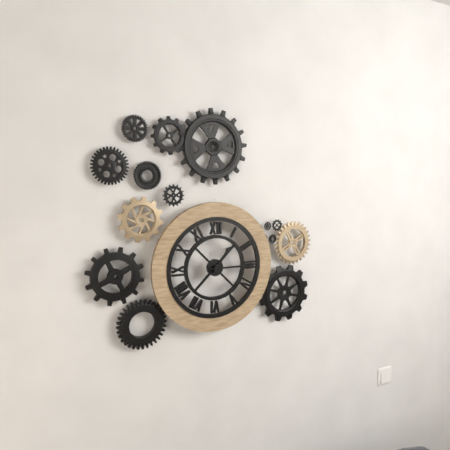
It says 1:15
